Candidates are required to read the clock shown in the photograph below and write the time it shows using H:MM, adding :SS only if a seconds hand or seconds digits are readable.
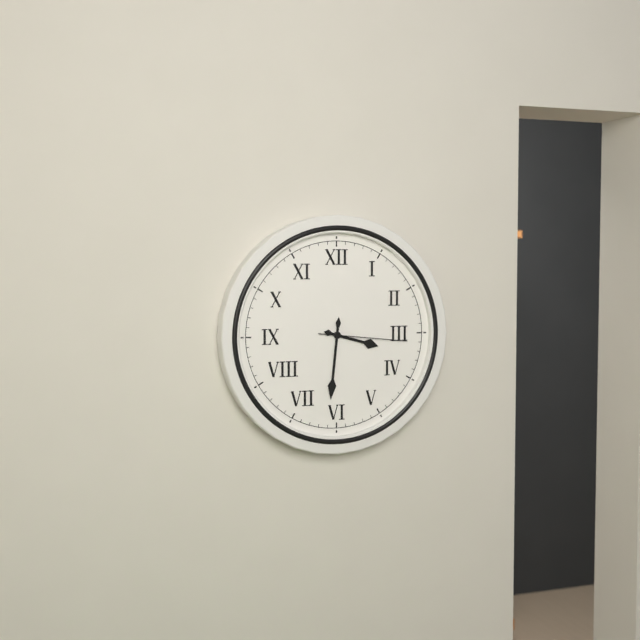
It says 3:31:16
